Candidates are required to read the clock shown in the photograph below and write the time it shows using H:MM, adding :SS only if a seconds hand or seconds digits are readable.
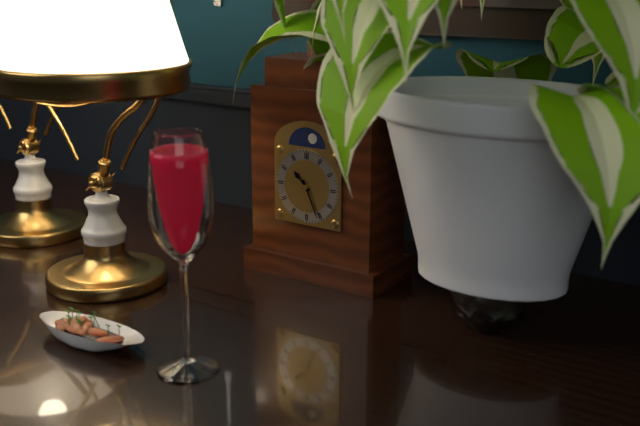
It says 10:26
